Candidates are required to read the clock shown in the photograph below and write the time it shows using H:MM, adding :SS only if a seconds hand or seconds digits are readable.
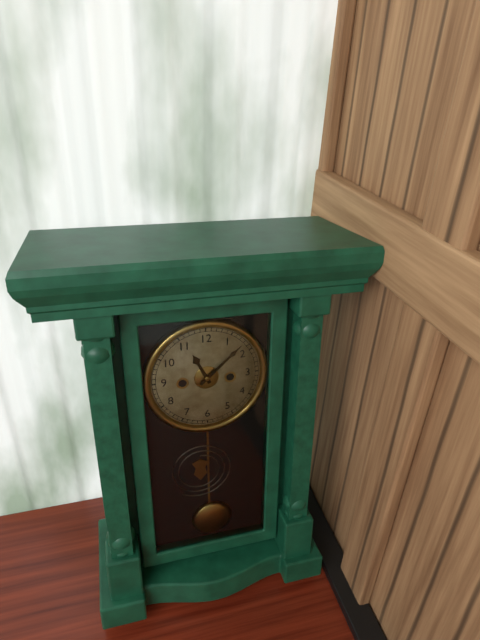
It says 11:08
